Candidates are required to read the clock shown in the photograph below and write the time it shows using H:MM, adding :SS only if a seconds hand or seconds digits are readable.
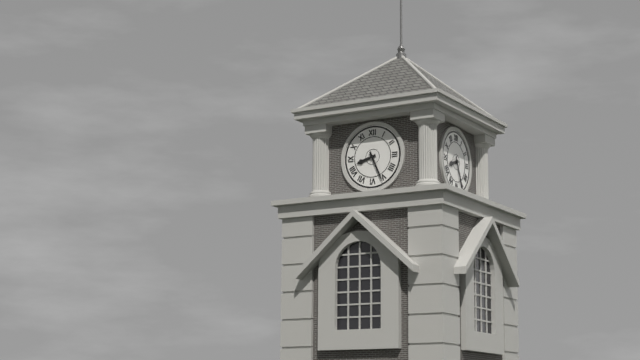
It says 8:26
